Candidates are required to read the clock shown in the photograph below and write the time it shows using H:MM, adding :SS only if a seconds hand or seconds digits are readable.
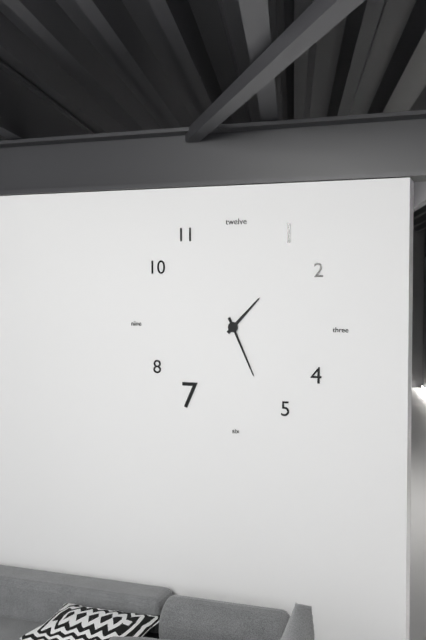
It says 1:26
